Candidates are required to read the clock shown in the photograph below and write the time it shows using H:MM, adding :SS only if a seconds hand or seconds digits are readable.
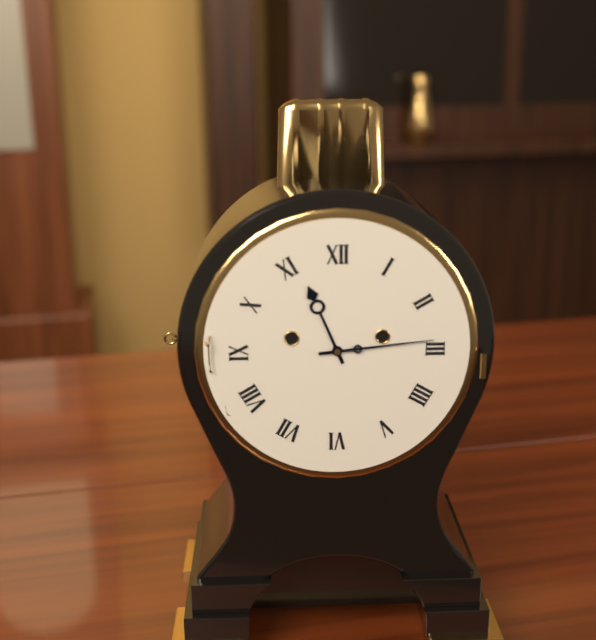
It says 11:14
